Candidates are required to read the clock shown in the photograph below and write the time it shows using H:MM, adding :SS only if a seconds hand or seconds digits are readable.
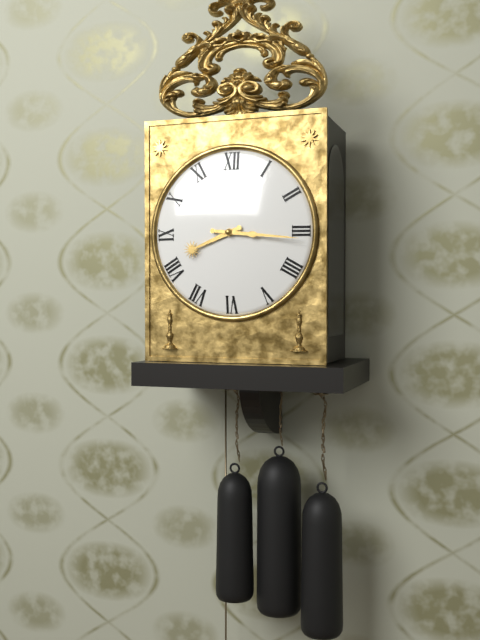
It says 8:16
